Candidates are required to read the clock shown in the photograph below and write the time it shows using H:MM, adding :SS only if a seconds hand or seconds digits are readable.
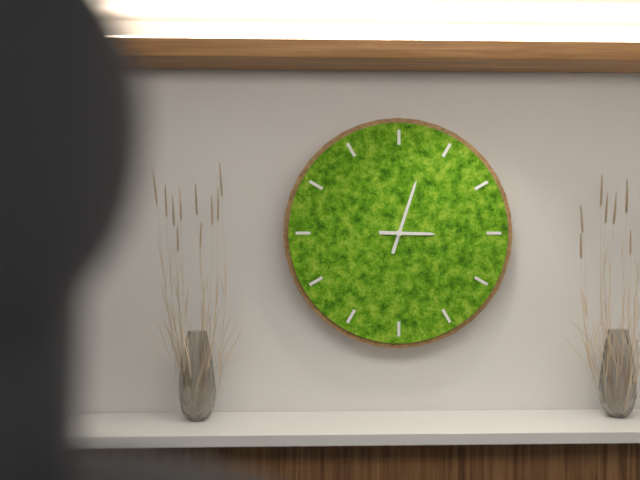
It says 3:03
